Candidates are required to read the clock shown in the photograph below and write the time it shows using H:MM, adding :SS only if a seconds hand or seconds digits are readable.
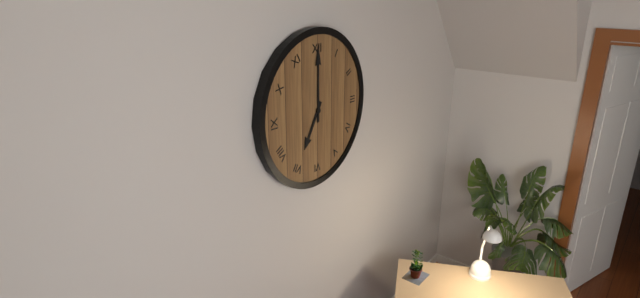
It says 7:00
